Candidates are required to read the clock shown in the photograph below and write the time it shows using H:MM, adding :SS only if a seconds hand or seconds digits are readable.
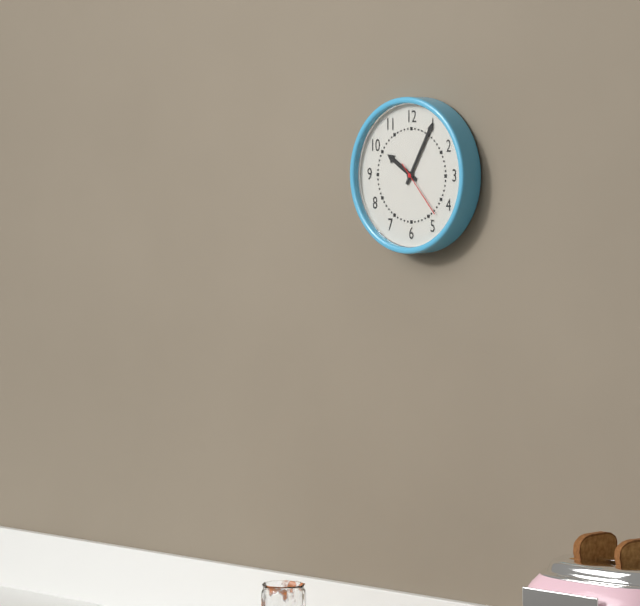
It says 10:05:23
